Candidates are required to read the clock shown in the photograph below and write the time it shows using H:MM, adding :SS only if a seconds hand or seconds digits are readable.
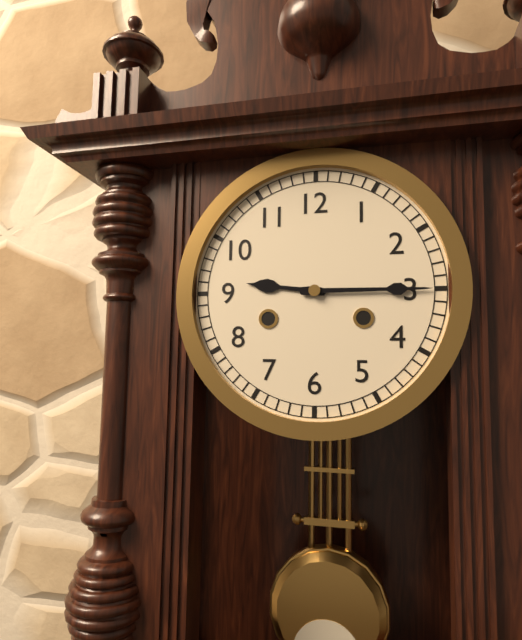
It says 9:15
